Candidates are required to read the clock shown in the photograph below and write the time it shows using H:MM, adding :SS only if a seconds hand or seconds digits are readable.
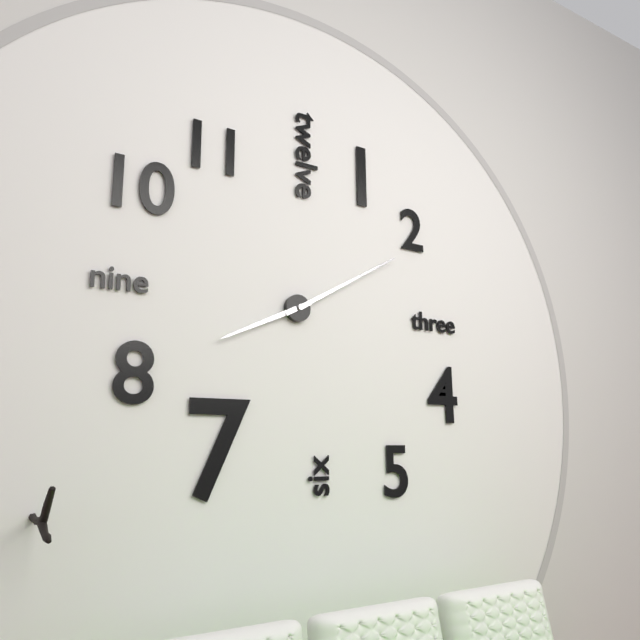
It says 8:10
